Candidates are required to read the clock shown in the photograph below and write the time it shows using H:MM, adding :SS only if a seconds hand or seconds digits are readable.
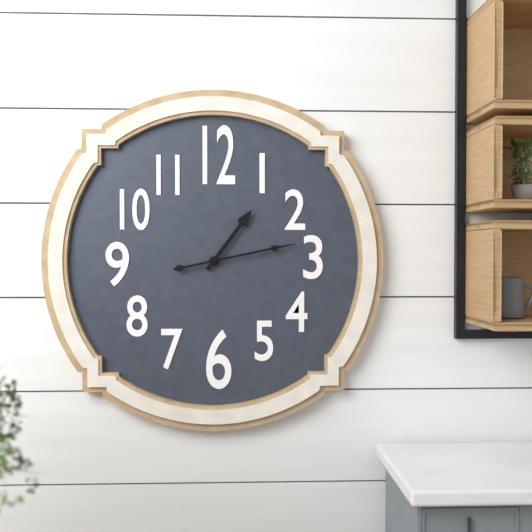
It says 1:13
